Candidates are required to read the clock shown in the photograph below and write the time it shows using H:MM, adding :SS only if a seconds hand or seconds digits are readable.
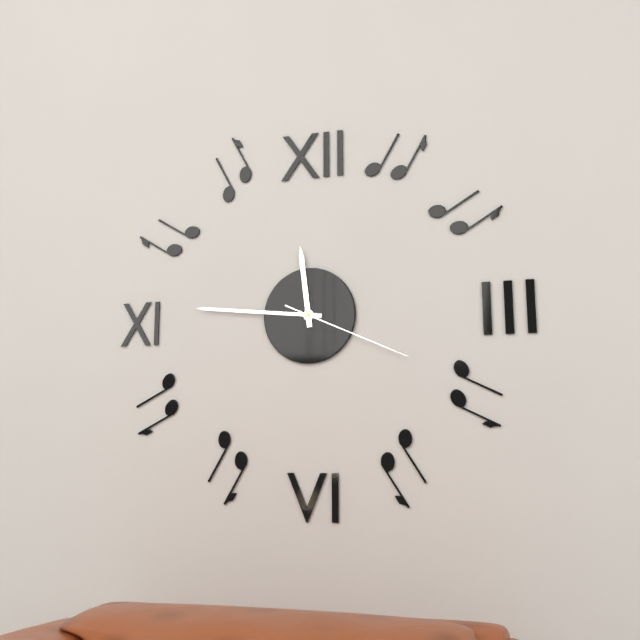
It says 11:46:19
